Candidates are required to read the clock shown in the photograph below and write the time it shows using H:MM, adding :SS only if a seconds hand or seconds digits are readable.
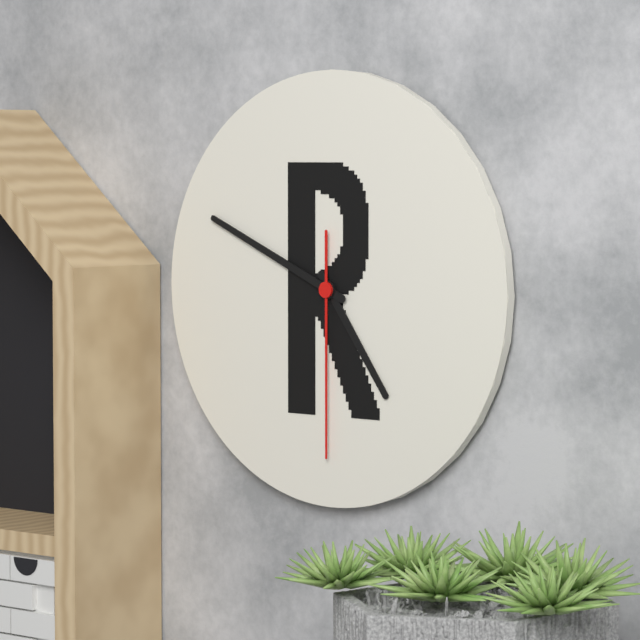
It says 4:49:30
